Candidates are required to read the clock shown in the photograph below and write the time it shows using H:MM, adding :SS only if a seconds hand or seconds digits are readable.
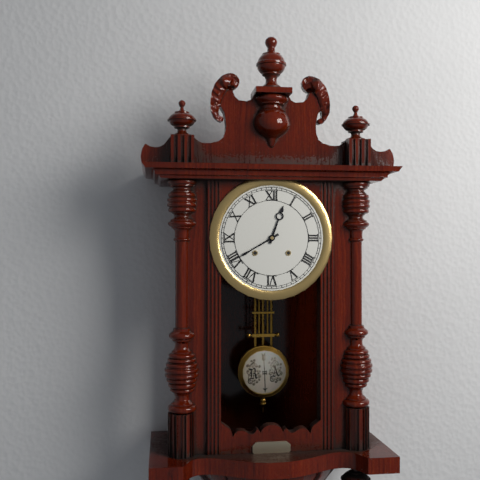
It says 12:40
